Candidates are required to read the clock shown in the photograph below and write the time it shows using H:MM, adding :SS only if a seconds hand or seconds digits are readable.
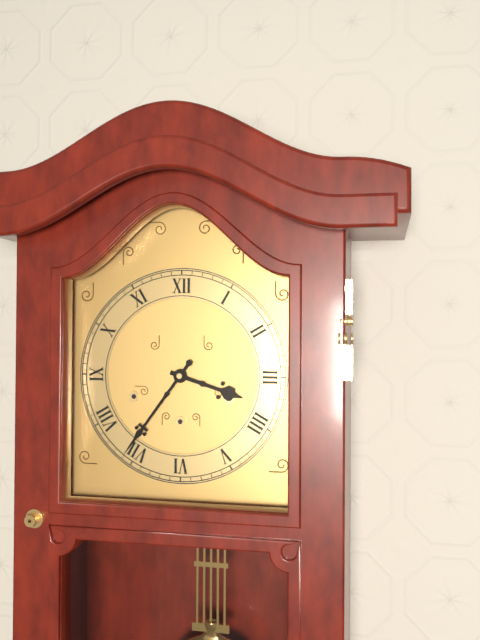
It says 3:36
